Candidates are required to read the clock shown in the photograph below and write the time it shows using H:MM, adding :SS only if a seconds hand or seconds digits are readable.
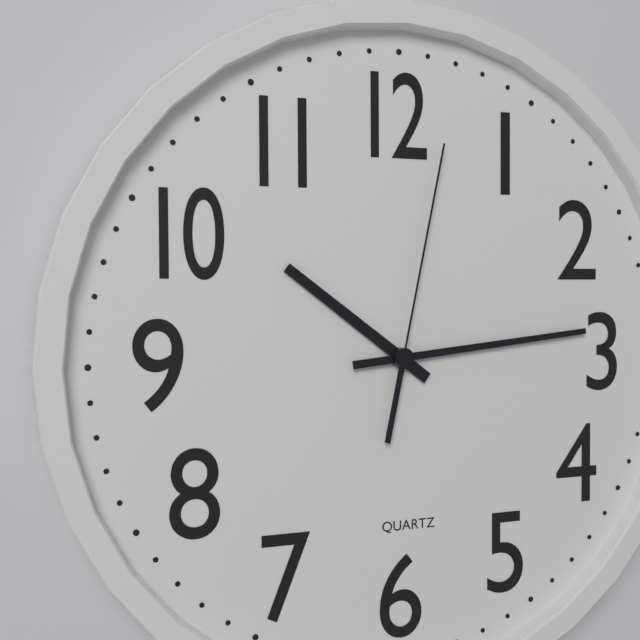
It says 10:14:02
